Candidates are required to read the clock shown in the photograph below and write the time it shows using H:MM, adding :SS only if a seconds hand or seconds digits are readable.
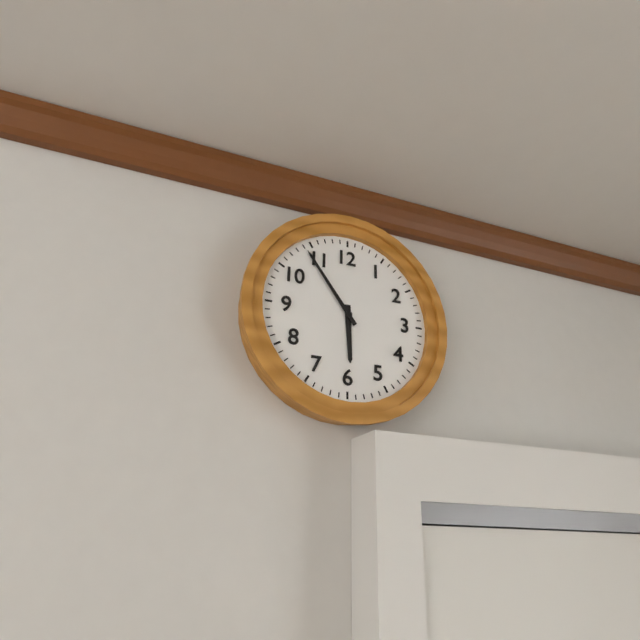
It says 5:54
